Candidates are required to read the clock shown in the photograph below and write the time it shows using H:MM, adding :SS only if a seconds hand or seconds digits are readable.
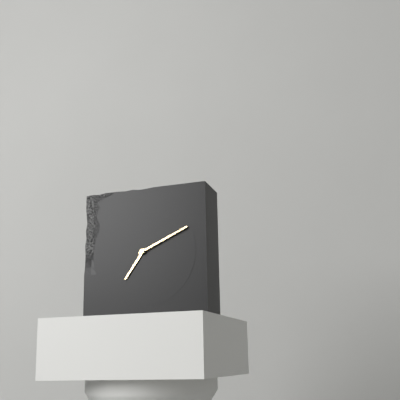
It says 7:11
